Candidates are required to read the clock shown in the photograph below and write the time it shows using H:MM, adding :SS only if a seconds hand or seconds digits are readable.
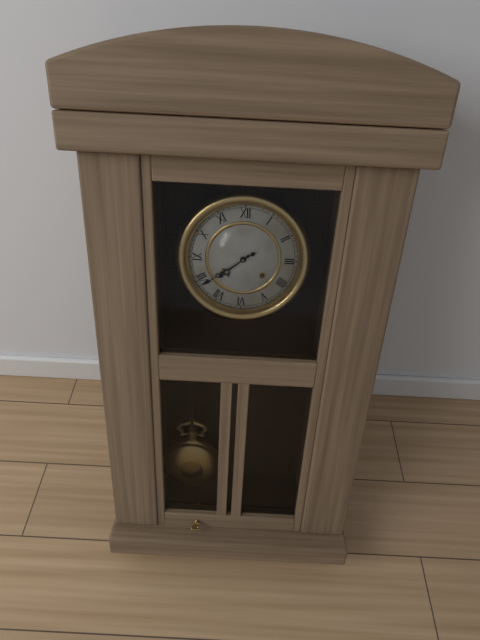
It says 7:39
